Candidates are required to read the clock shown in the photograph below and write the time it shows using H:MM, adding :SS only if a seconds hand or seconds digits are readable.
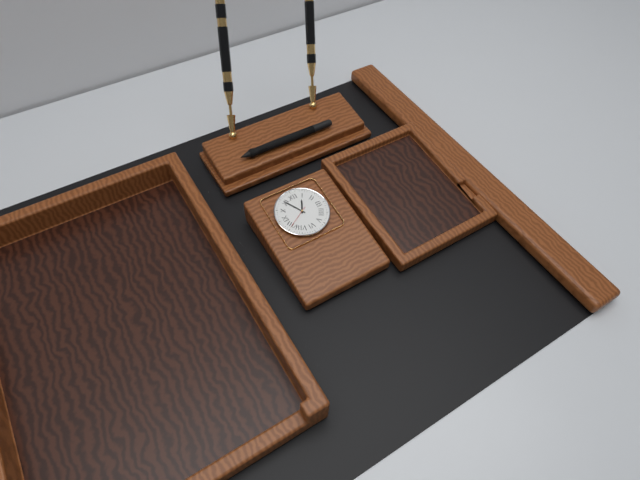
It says 12:55
